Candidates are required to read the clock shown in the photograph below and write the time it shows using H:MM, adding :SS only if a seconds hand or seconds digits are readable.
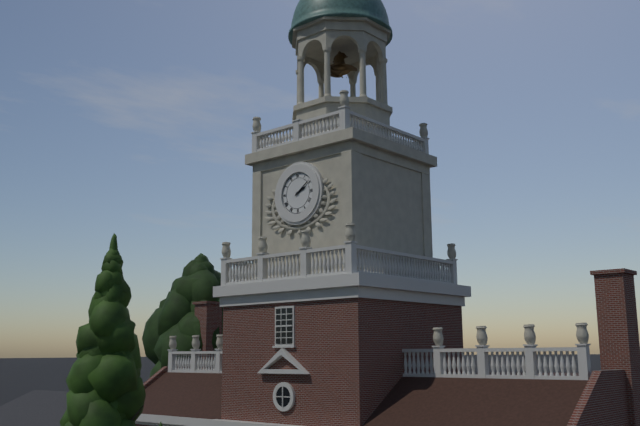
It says 2:09
